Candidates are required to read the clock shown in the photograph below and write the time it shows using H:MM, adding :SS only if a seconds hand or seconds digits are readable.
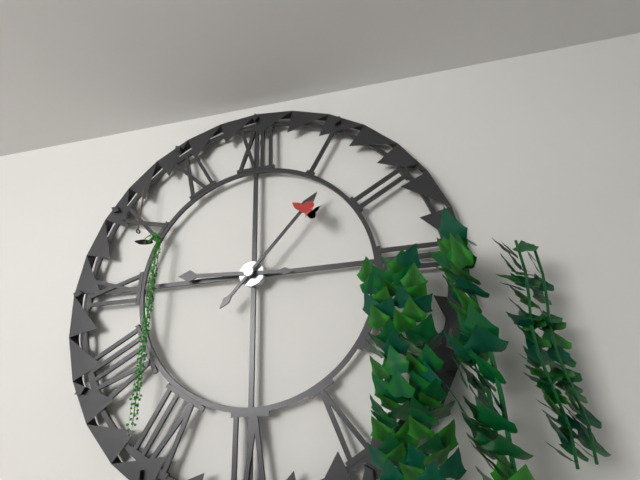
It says 9:07
